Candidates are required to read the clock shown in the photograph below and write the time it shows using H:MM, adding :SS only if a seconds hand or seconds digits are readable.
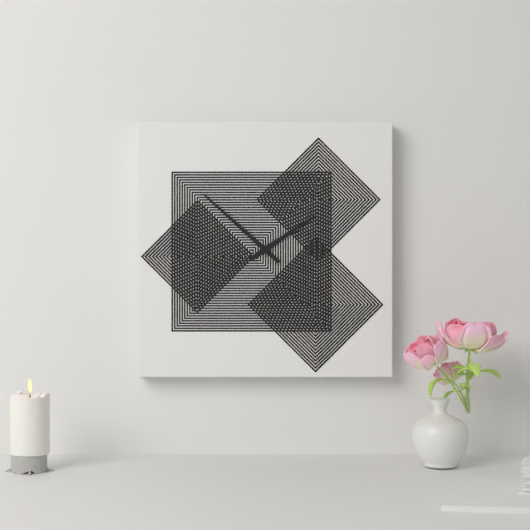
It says 1:52
